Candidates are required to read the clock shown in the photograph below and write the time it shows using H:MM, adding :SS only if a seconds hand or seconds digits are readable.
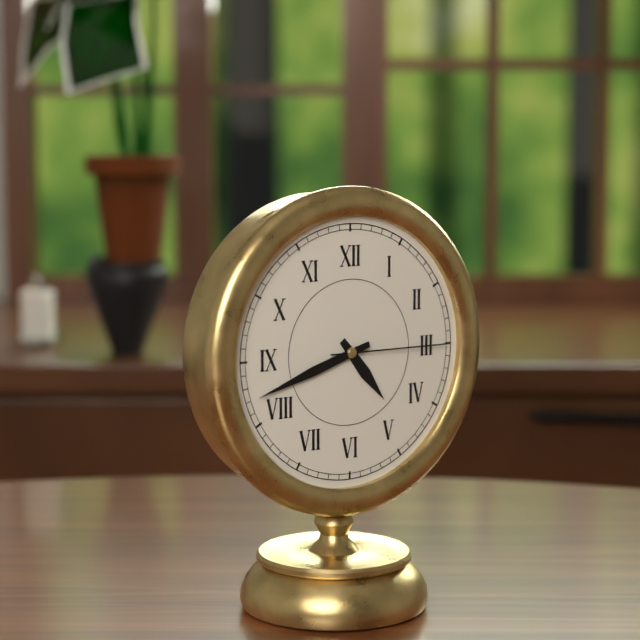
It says 4:42:15
